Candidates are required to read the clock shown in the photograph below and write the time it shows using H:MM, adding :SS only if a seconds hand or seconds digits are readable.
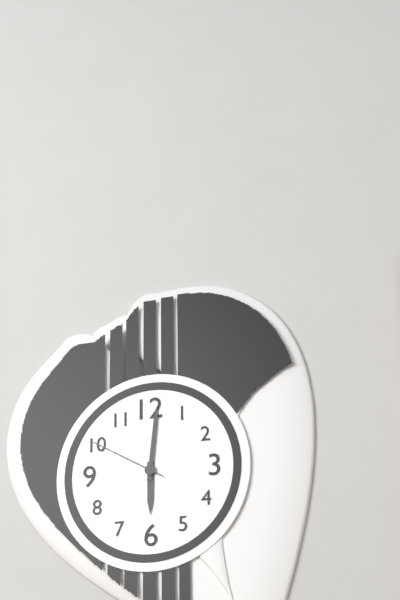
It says 6:01:50
